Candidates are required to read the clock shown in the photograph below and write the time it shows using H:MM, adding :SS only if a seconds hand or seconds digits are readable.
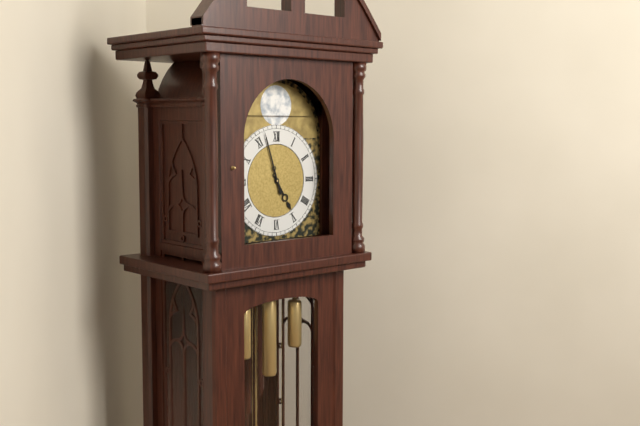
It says 4:57
